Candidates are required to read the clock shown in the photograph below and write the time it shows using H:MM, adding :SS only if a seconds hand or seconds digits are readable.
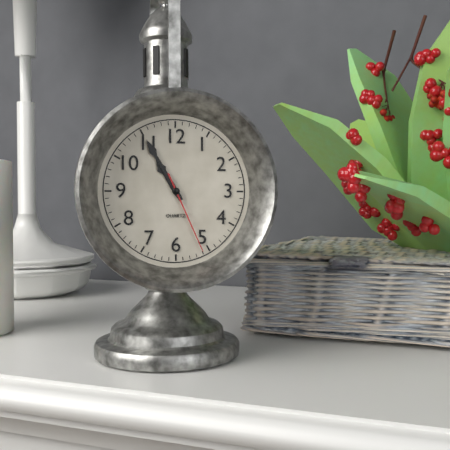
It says 10:55:26
